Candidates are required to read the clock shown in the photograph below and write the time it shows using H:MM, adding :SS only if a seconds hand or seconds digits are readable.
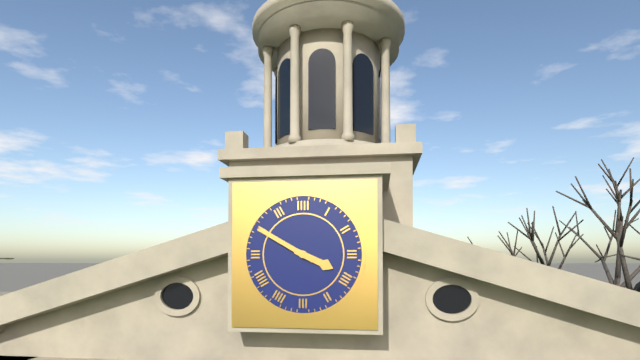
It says 3:50
